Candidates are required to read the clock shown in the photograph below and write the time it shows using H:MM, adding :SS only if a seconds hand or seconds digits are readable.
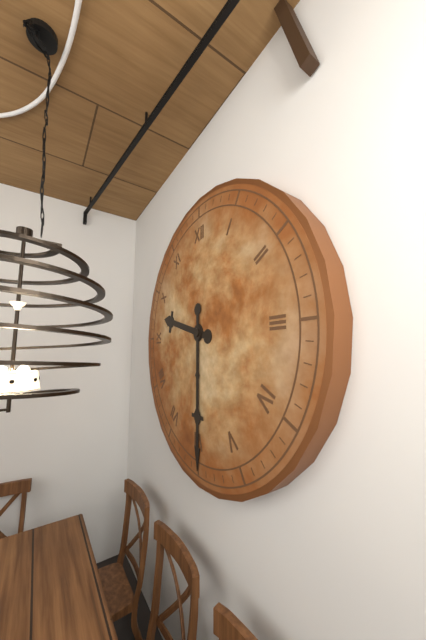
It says 9:30
